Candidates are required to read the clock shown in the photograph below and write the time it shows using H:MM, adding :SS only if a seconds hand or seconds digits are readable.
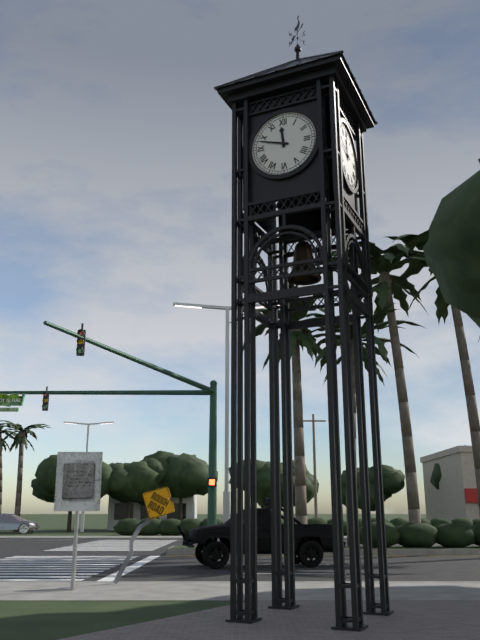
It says 11:48
